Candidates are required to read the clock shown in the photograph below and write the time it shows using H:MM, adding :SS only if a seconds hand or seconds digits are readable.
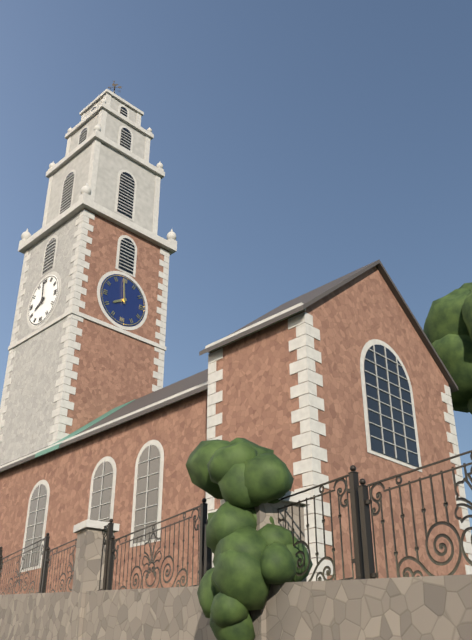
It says 7:59
